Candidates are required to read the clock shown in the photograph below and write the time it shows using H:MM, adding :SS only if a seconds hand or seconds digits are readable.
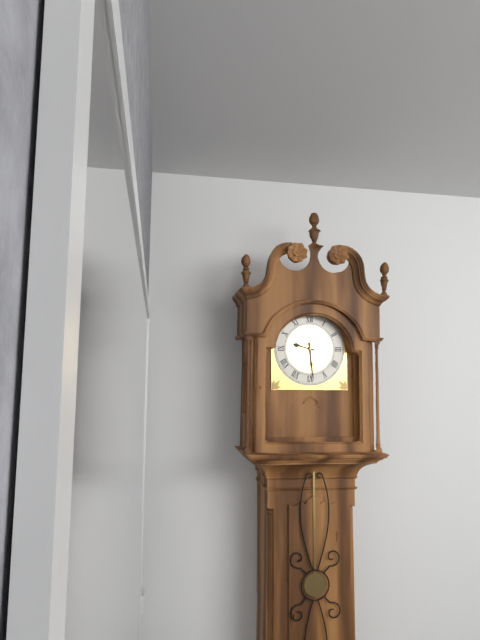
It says 9:29
